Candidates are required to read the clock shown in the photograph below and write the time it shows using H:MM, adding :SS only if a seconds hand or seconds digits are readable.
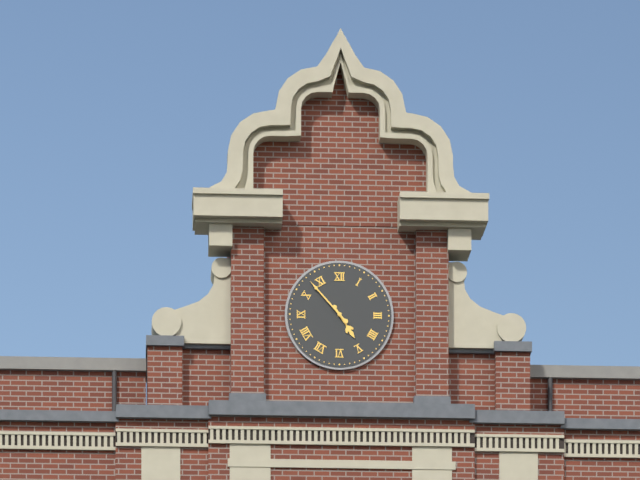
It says 4:53
